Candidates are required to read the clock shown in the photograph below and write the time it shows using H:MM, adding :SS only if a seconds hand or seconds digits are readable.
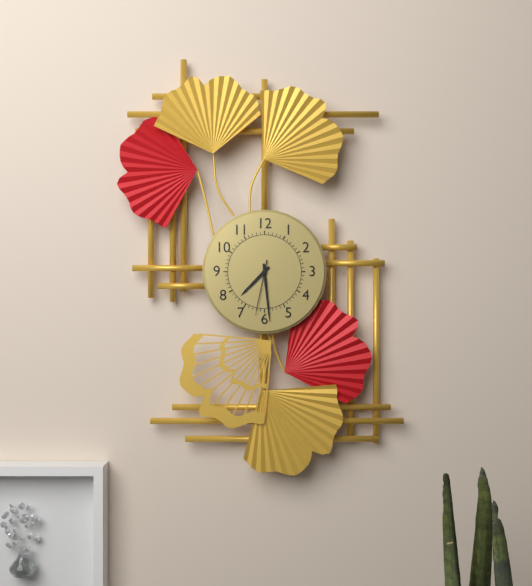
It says 7:29:32
